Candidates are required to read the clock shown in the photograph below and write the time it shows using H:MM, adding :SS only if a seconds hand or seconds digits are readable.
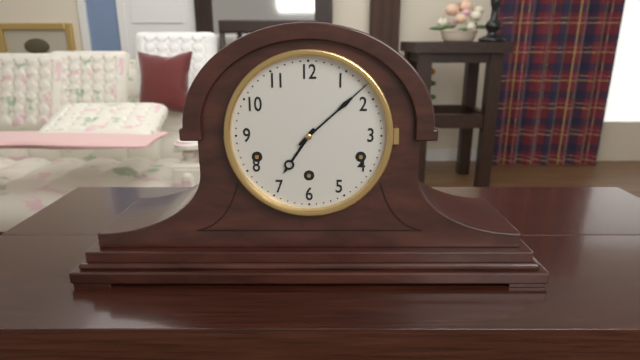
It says 7:08
